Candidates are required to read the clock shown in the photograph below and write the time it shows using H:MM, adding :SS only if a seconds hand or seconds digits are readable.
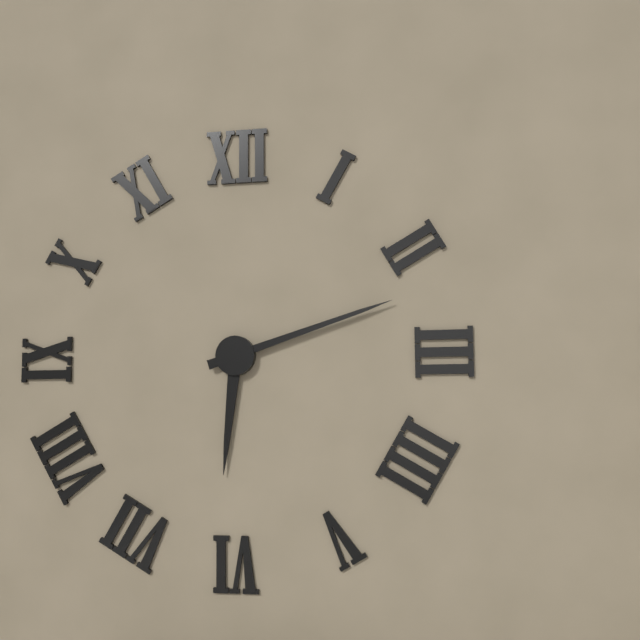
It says 6:12
